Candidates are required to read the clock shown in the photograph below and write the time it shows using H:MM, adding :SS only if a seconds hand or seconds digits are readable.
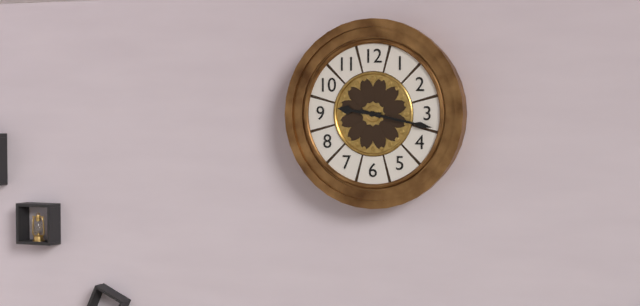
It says 9:17
